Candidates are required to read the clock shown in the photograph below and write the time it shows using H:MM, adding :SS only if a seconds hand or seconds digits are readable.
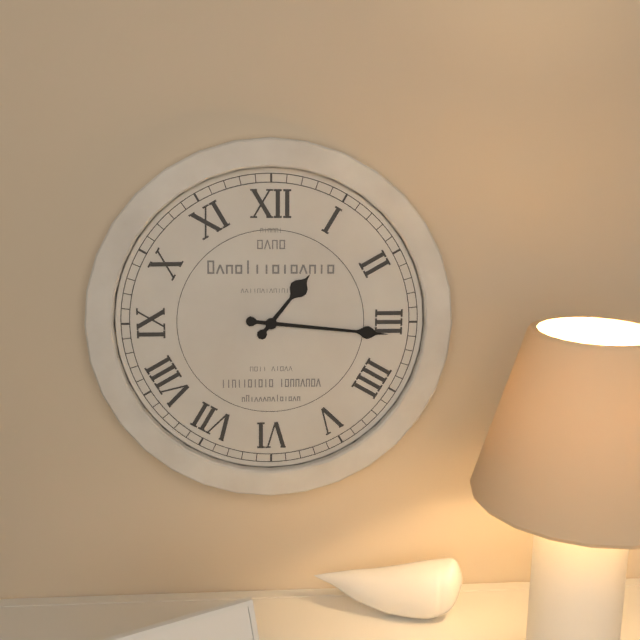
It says 1:16
